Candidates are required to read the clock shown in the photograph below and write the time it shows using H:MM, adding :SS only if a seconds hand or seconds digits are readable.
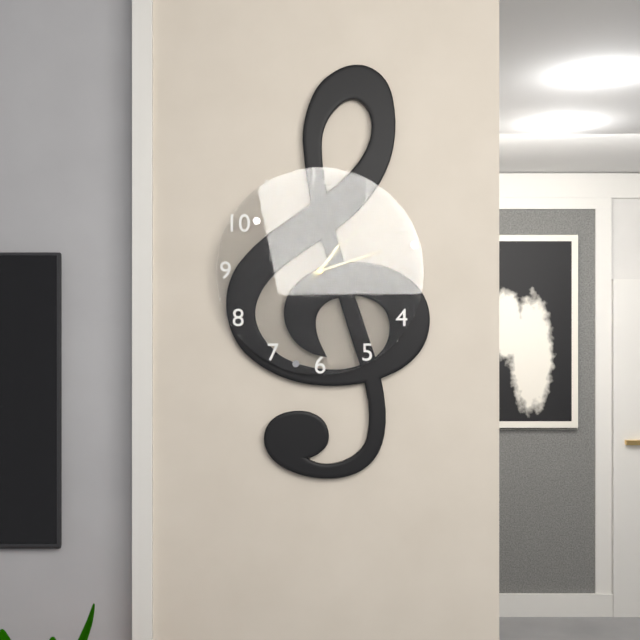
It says 1:12:07
